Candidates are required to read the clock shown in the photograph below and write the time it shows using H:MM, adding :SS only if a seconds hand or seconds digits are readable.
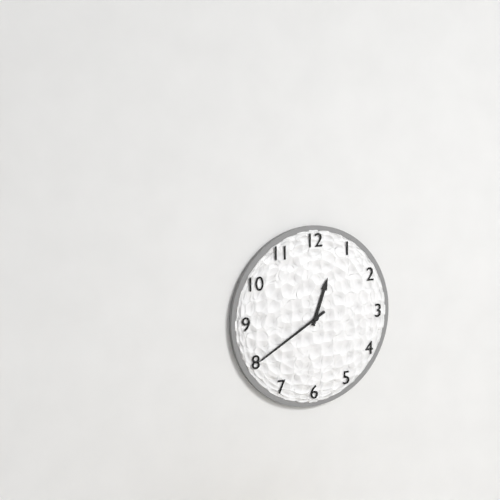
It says 12:40
